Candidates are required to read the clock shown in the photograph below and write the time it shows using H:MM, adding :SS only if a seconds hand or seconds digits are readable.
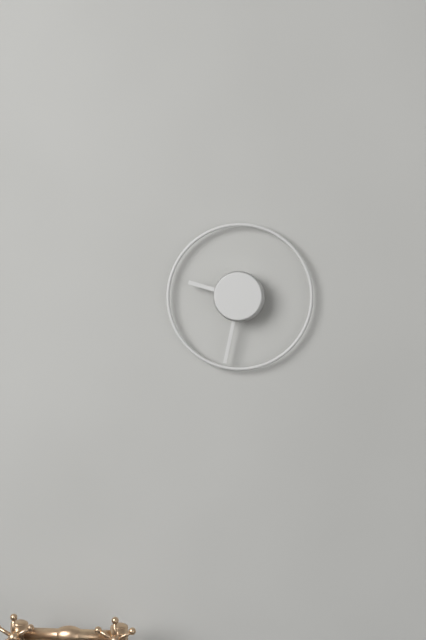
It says 9:32
